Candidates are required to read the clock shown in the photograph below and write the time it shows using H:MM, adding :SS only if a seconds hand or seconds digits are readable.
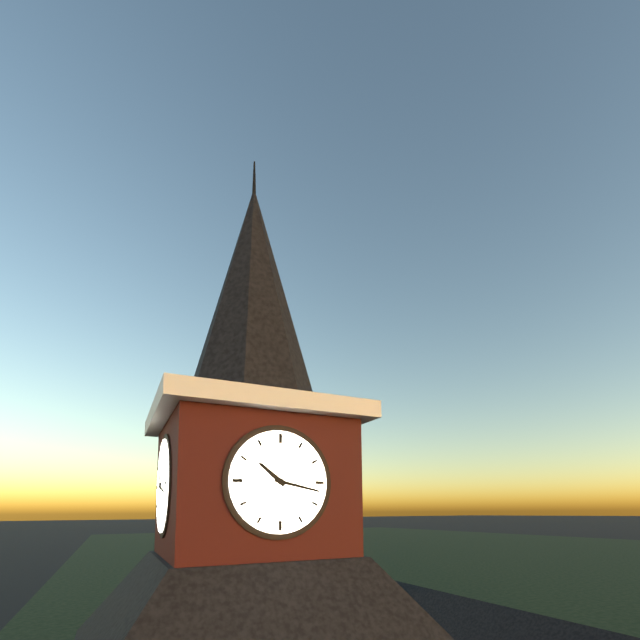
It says 10:17
